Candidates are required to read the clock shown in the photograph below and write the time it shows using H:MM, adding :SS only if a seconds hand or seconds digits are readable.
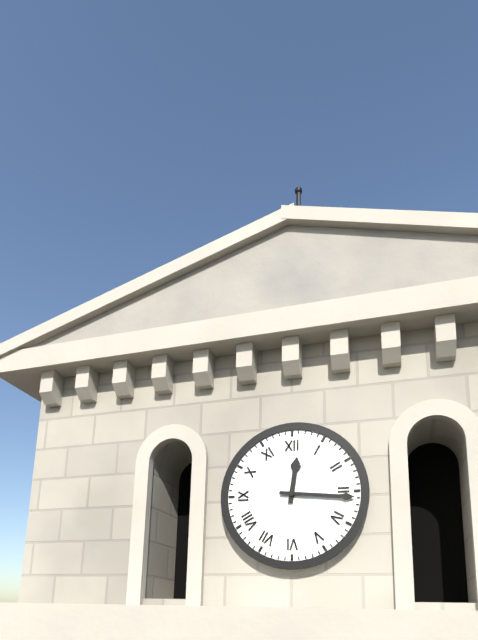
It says 12:16
